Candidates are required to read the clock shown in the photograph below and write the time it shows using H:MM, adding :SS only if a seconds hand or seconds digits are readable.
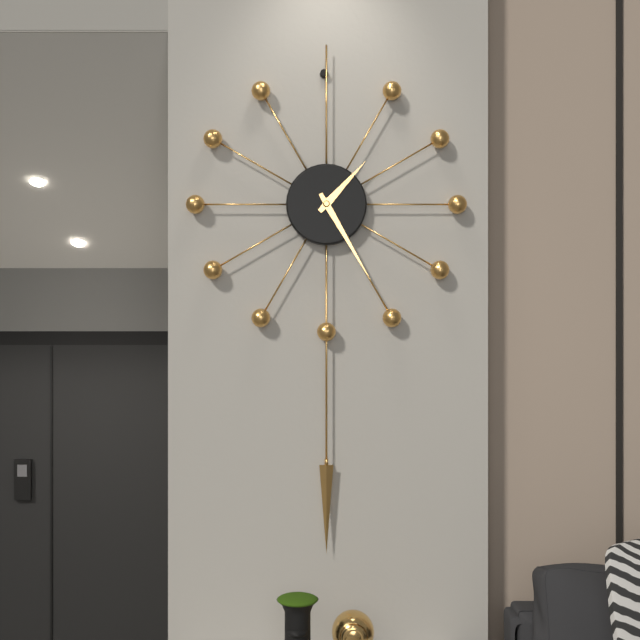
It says 1:25
